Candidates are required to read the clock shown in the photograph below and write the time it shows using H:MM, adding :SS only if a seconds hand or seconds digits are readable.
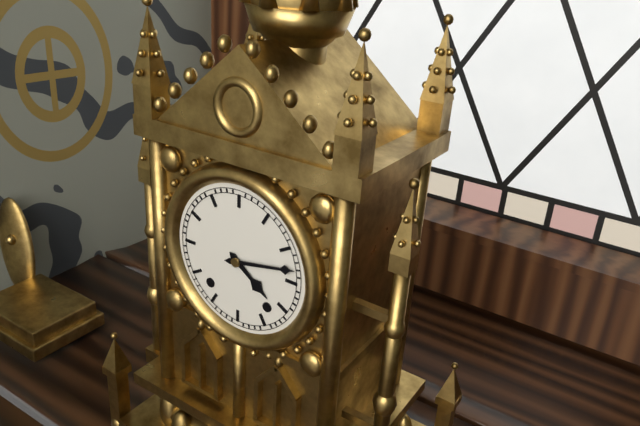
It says 4:13
